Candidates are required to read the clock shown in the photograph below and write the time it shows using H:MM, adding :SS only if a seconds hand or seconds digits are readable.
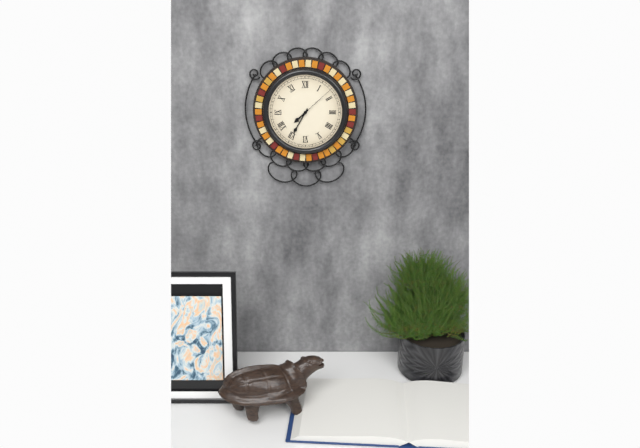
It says 7:35
